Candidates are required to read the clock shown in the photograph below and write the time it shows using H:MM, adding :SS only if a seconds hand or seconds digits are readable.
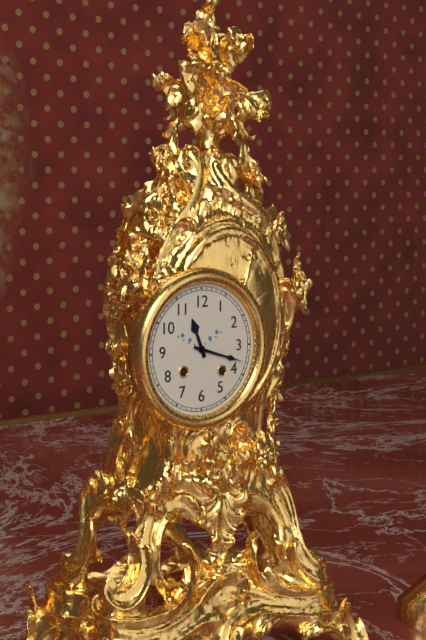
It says 11:18
